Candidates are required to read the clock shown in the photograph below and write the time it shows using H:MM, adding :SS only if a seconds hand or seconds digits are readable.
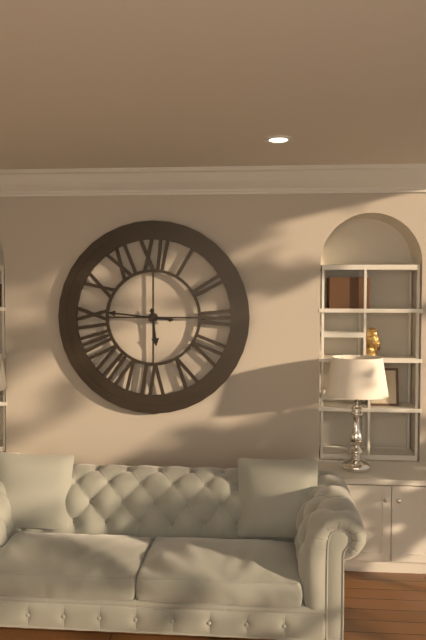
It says 5:46
